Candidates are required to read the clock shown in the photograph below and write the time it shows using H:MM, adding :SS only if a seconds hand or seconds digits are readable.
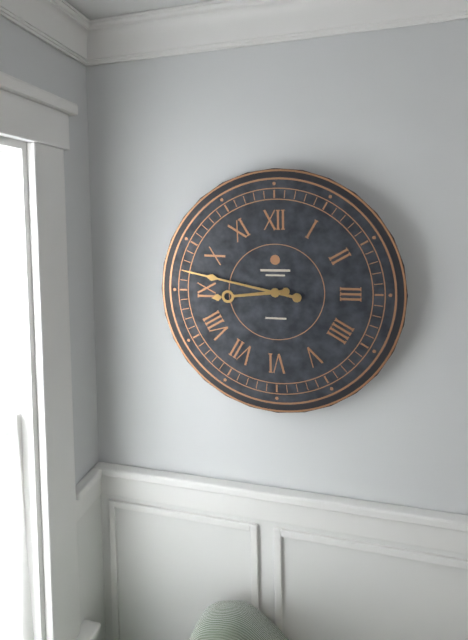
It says 8:47
